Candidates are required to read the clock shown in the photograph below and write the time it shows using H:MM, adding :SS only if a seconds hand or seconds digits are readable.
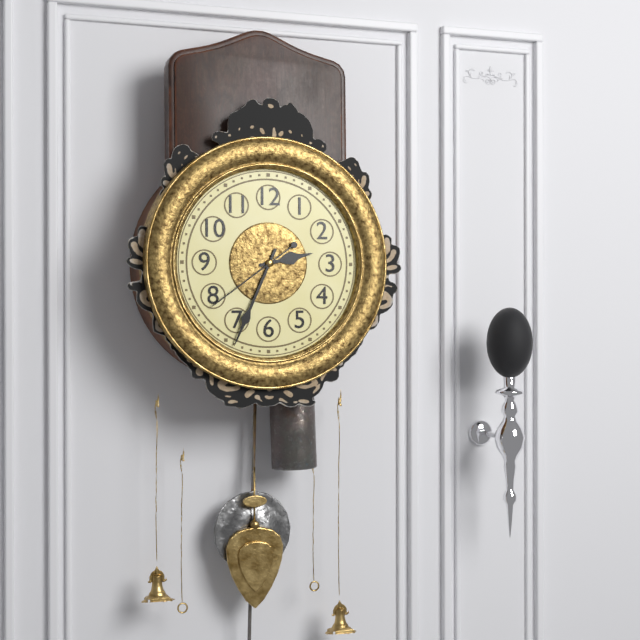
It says 2:34:39
